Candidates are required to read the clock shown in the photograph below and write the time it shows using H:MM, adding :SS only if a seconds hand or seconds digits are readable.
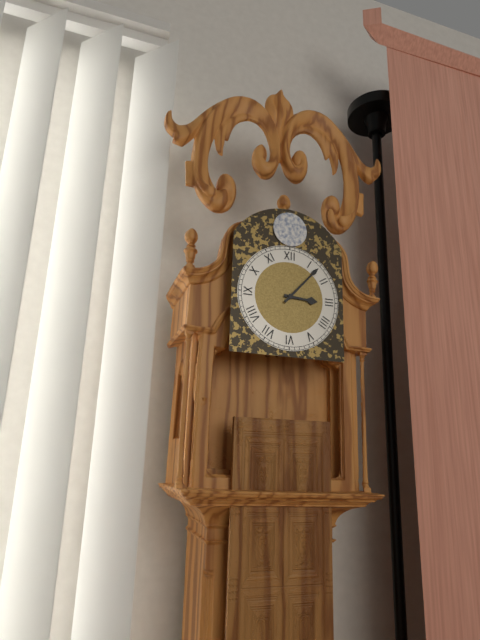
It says 3:07
